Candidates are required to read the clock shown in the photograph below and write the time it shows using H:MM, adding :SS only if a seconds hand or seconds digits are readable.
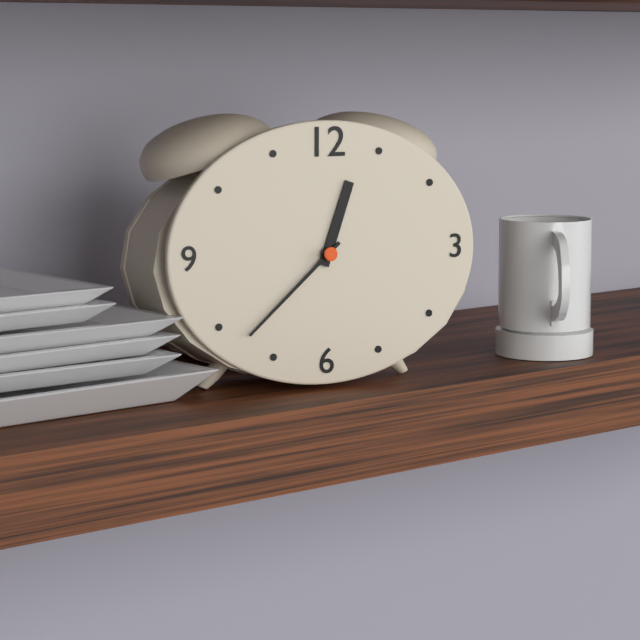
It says 12:38
